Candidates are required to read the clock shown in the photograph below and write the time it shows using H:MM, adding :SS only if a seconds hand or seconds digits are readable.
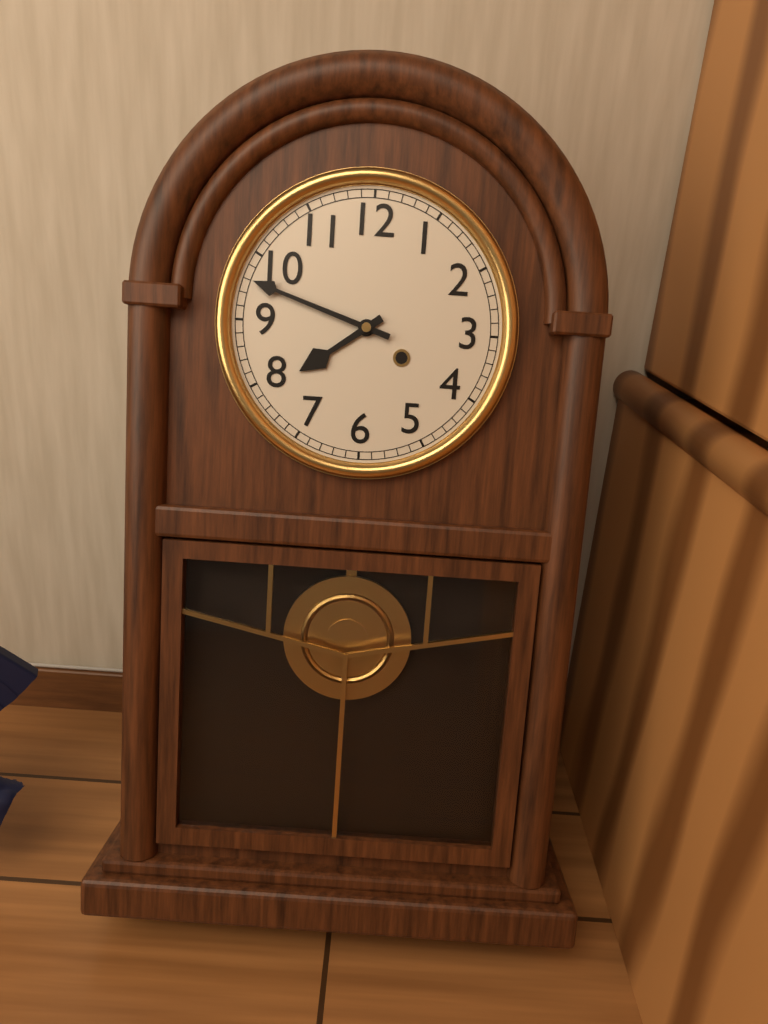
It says 7:48
